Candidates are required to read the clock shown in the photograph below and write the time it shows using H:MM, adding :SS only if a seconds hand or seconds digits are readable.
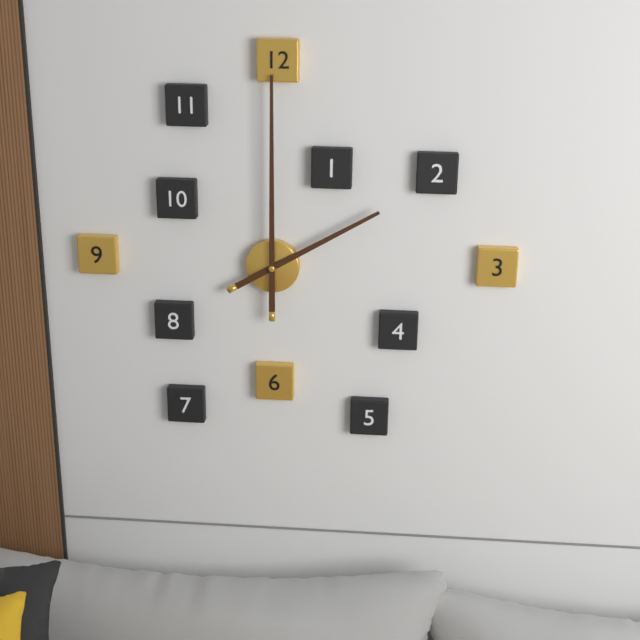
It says 2:00
